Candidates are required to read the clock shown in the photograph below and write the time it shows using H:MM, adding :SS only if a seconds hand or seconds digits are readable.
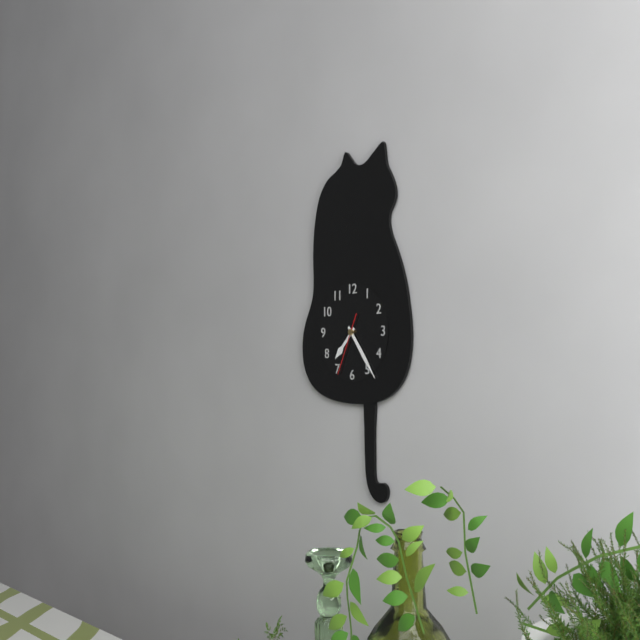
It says 7:24:34
